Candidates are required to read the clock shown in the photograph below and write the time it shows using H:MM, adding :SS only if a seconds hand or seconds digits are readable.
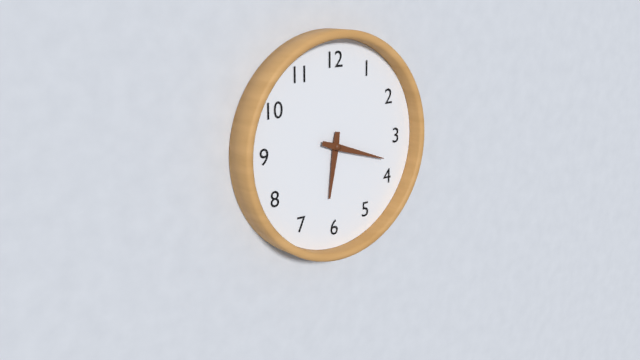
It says 6:18
